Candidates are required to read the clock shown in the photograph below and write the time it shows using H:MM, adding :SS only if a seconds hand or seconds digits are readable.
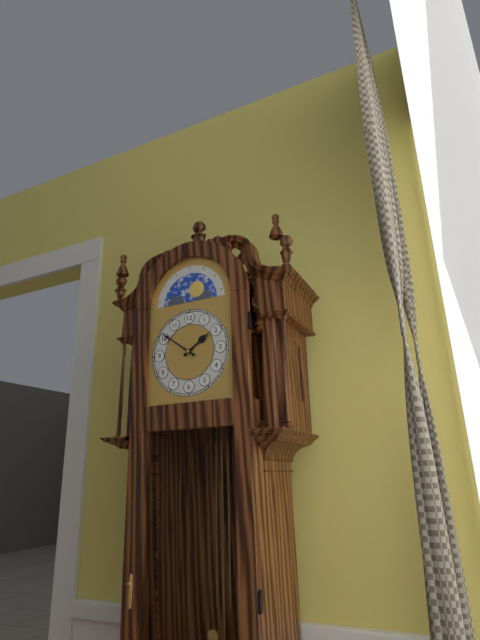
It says 1:51
